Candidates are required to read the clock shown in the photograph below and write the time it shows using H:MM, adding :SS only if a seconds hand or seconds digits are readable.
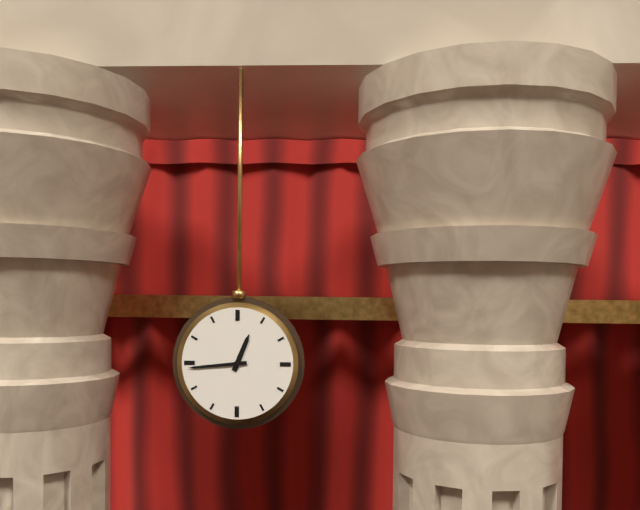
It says 12:44
